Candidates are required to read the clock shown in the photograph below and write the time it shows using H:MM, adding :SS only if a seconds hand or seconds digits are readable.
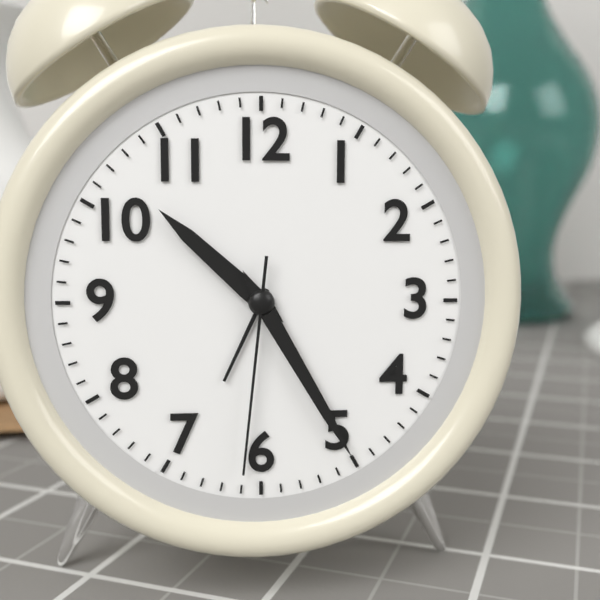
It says 10:25:31
